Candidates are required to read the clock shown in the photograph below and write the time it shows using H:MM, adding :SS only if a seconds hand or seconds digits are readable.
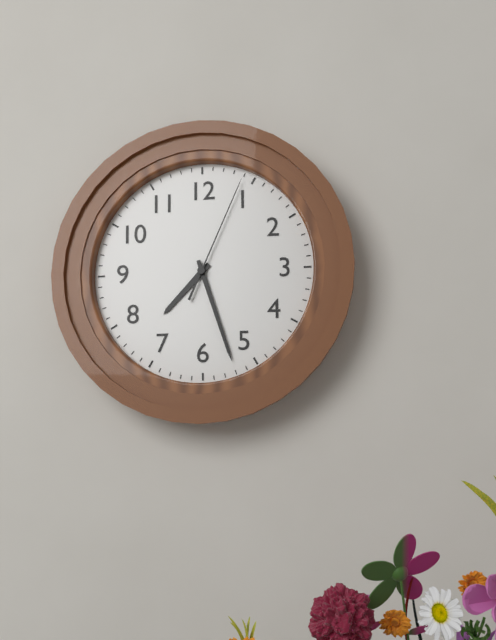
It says 7:27:04
